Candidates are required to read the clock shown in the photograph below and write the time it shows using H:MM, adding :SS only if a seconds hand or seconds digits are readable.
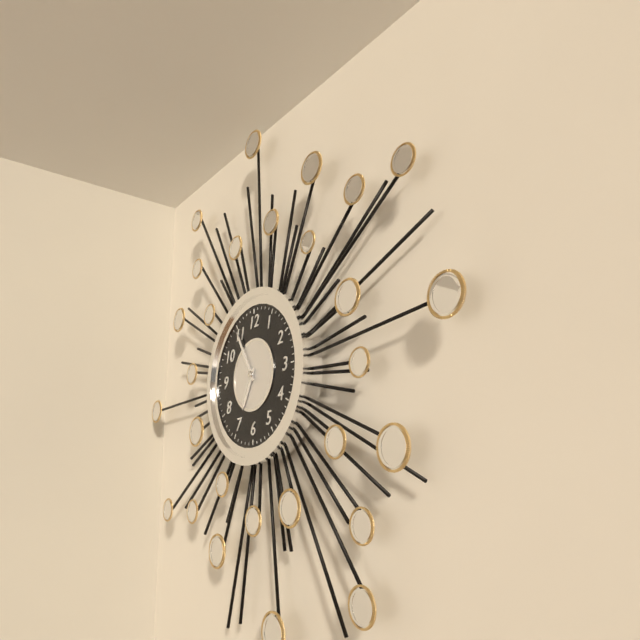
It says 6:55
